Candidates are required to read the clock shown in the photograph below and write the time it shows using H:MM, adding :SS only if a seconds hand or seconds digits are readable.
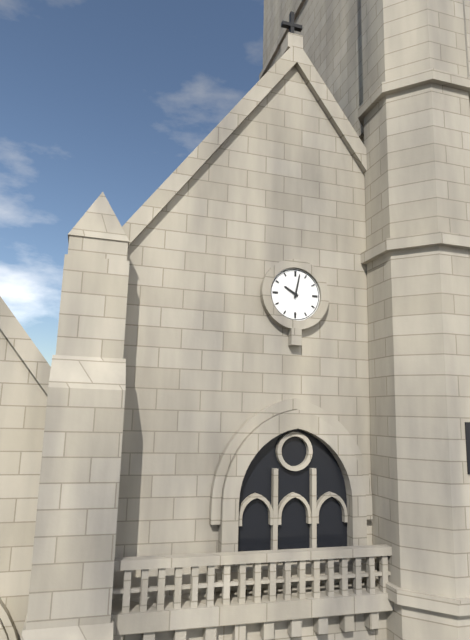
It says 10:02
